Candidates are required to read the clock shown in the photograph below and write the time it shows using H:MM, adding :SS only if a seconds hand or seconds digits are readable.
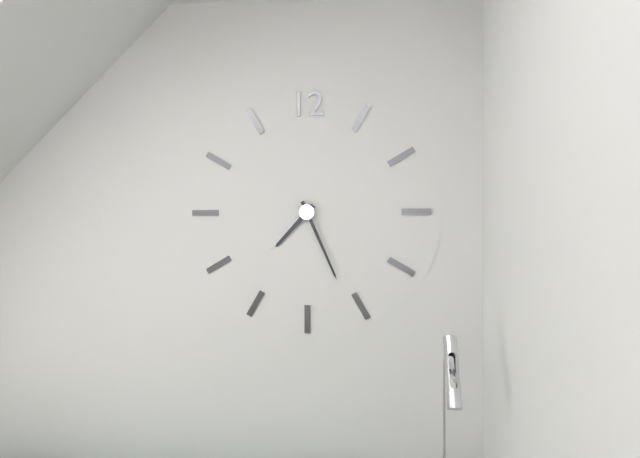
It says 7:26
